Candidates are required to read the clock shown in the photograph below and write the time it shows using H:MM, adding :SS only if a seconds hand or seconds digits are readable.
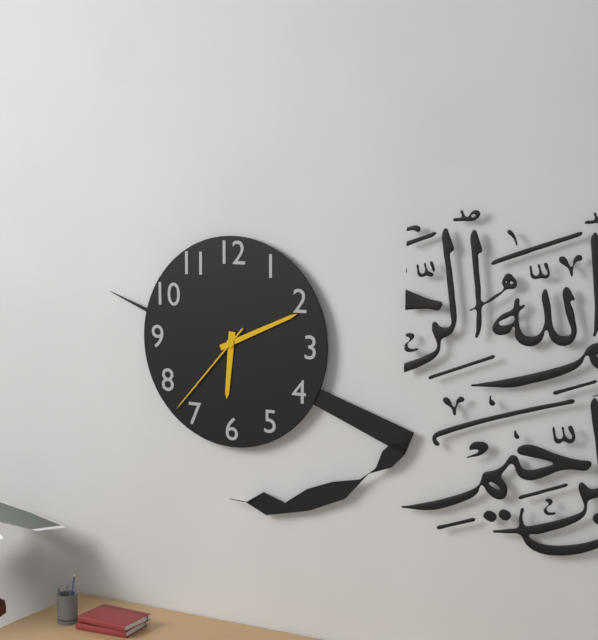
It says 6:11:37
